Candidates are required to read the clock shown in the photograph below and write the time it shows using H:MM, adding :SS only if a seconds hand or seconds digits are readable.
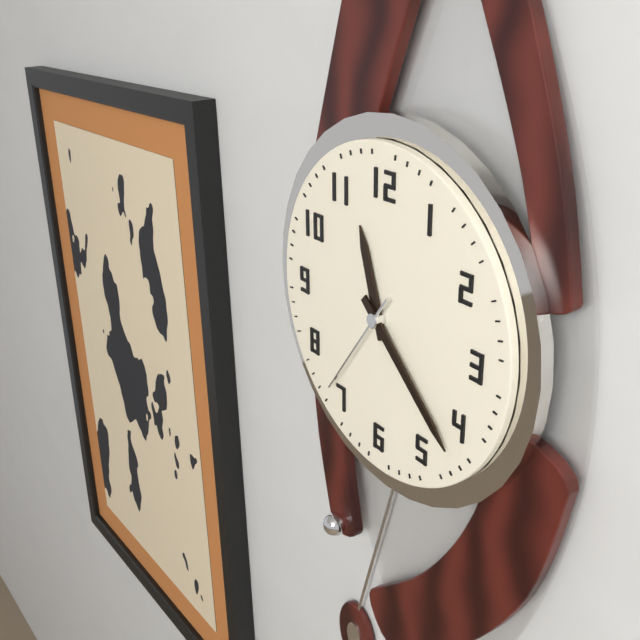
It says 11:22:36
